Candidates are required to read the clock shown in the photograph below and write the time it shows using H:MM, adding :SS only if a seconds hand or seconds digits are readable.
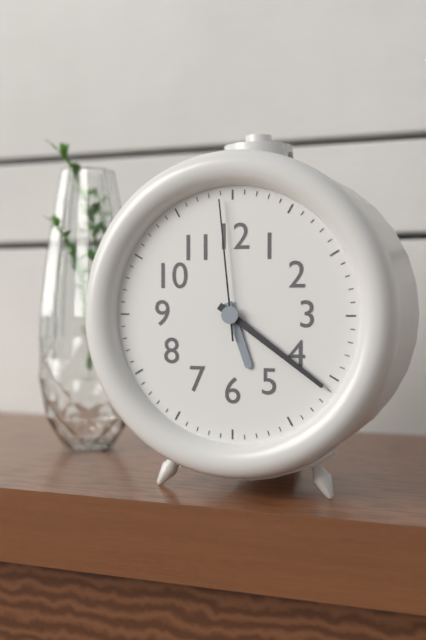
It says 5:21:59
